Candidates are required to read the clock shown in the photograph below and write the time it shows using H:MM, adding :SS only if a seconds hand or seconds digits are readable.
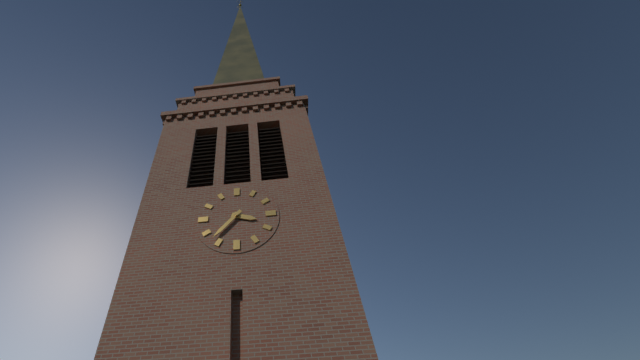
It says 3:37
